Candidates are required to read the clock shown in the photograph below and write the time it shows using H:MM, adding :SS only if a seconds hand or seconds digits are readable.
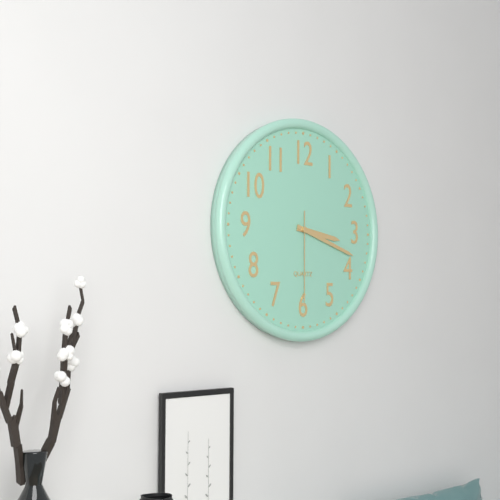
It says 3:18:30
